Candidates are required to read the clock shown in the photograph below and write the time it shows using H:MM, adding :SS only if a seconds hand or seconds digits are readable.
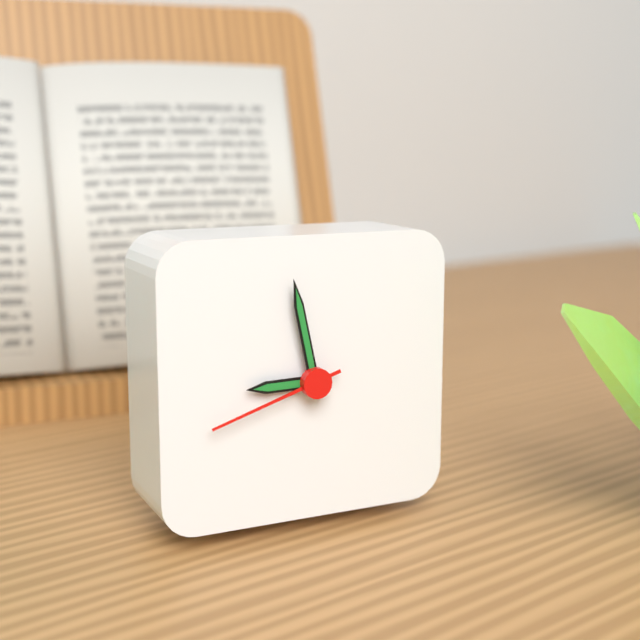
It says 8:58:42
